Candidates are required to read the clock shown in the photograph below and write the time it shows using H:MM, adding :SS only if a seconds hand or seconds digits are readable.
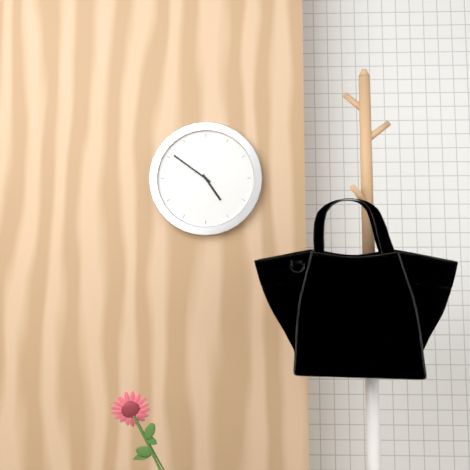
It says 4:51
